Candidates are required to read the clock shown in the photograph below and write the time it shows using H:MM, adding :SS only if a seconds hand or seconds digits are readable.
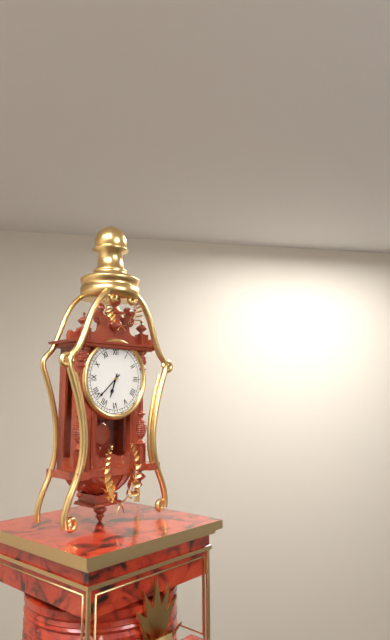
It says 6:38
